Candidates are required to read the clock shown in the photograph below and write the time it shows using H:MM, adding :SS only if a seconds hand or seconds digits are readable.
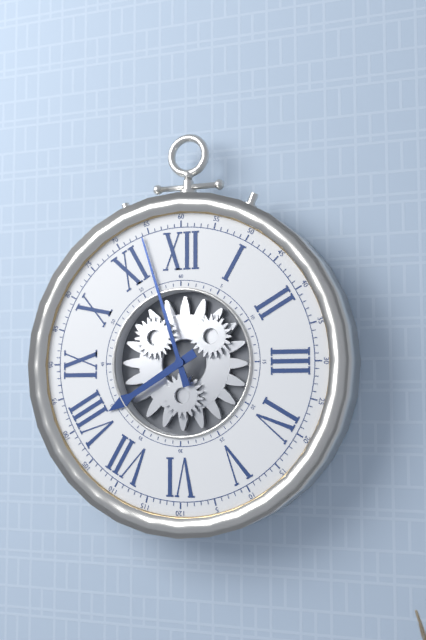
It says 7:57
